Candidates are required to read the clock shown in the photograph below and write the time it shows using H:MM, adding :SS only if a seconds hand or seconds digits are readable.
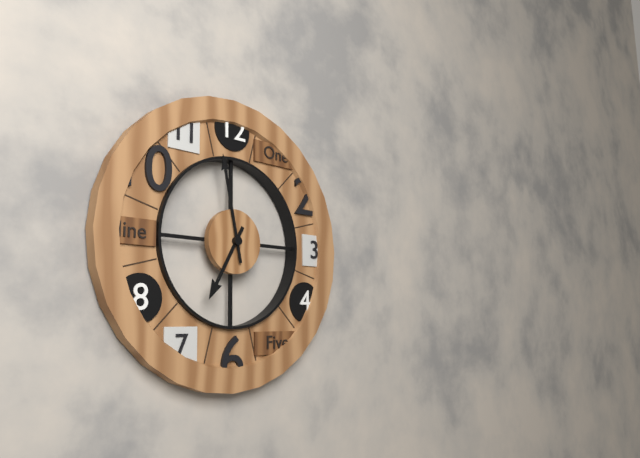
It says 6:58
